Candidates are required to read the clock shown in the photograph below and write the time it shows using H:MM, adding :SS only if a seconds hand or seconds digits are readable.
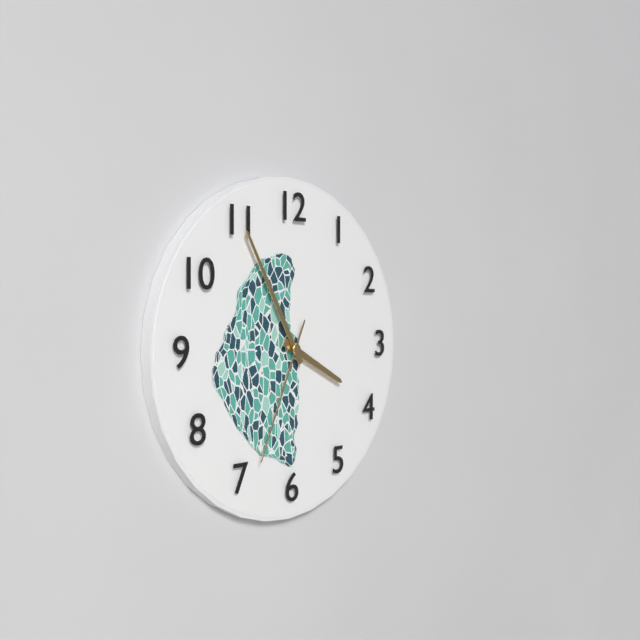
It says 3:55:34
